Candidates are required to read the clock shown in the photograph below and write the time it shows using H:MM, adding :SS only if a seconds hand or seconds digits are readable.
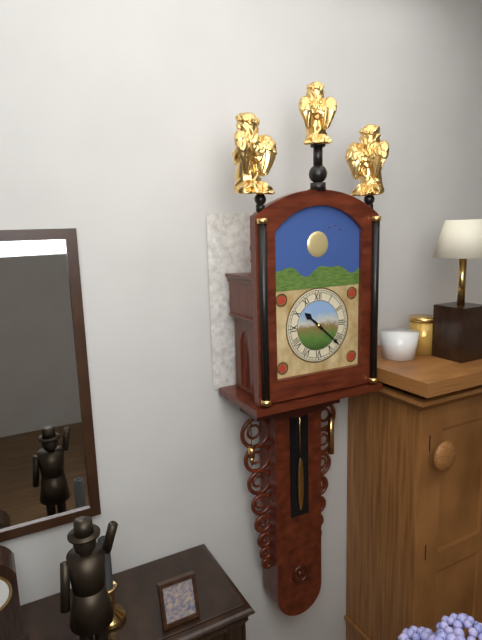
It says 10:22
